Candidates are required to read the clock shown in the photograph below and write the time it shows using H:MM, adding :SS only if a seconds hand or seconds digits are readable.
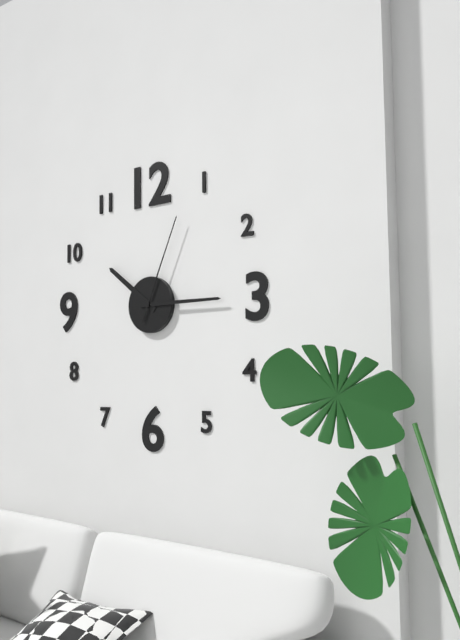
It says 10:15:04
